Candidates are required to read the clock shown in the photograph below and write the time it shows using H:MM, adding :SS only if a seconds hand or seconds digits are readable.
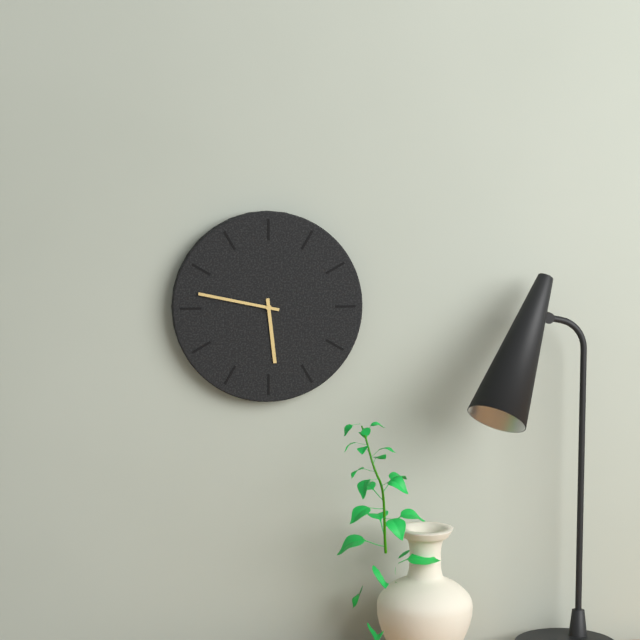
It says 5:47
